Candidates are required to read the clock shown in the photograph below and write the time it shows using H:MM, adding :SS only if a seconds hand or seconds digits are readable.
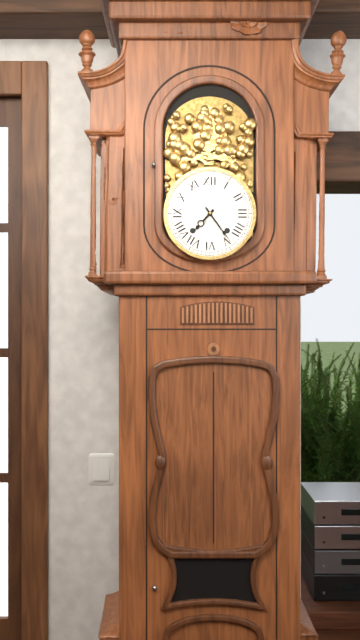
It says 7:24
